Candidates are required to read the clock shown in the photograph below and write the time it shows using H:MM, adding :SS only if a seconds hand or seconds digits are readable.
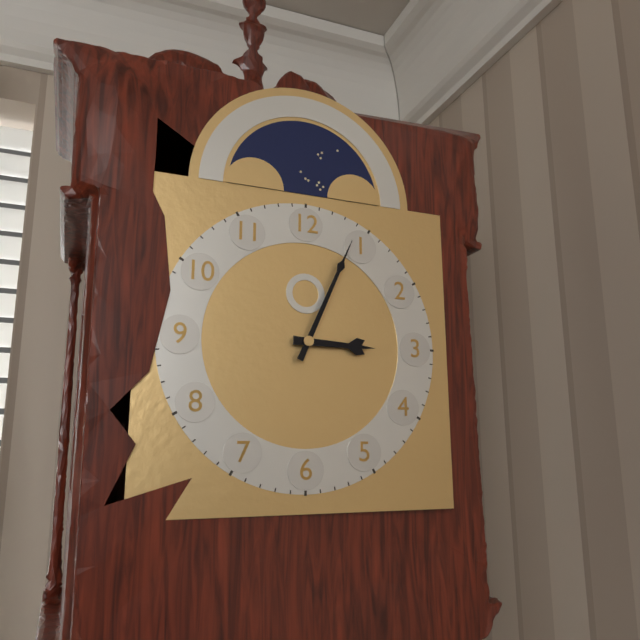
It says 3:04
